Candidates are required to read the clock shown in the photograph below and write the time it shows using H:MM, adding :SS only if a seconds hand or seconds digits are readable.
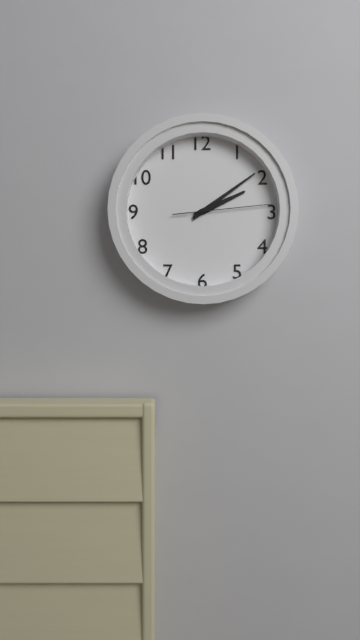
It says 2:09:14
